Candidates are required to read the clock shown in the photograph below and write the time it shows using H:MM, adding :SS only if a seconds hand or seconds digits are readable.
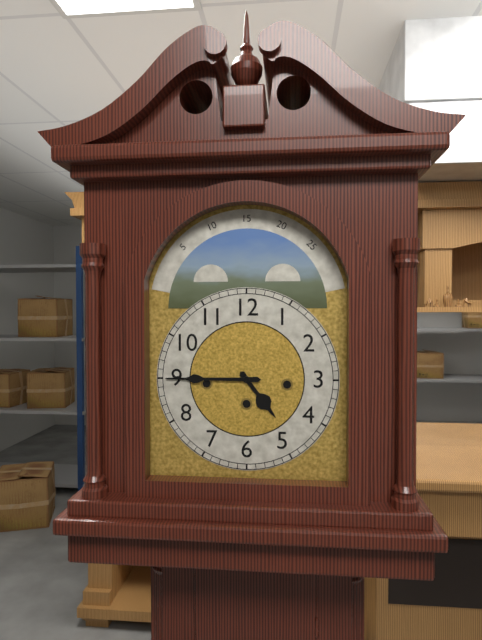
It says 4:45
